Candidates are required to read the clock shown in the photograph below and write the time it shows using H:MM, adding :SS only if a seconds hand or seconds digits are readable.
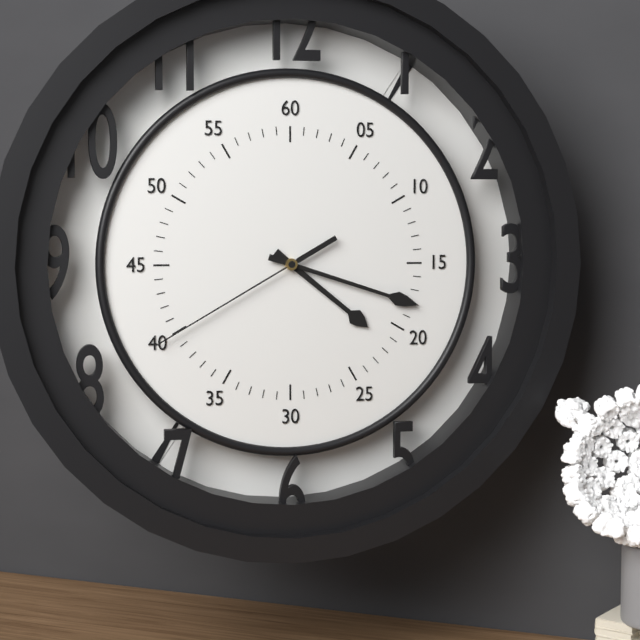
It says 4:18:40
